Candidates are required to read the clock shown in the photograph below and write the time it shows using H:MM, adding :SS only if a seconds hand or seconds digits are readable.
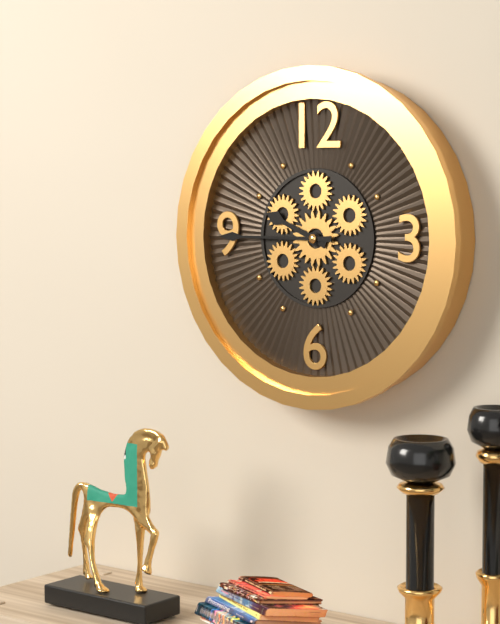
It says 9:45
